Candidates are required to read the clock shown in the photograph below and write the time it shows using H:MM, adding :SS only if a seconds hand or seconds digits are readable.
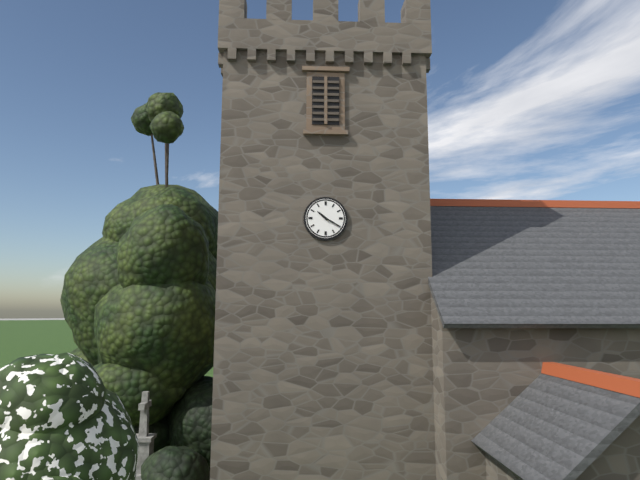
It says 10:20
